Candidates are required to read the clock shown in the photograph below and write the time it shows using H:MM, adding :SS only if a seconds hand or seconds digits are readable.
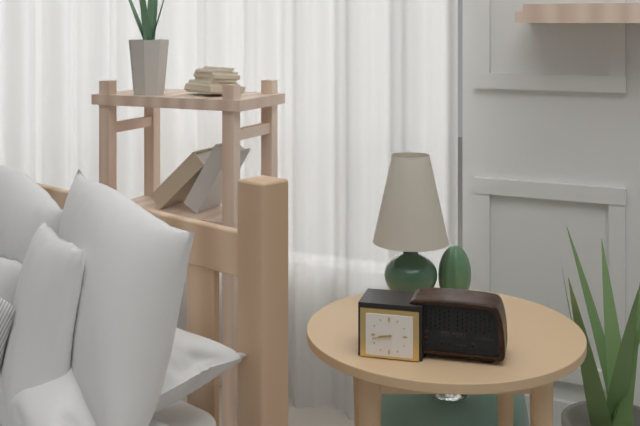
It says 8:43
